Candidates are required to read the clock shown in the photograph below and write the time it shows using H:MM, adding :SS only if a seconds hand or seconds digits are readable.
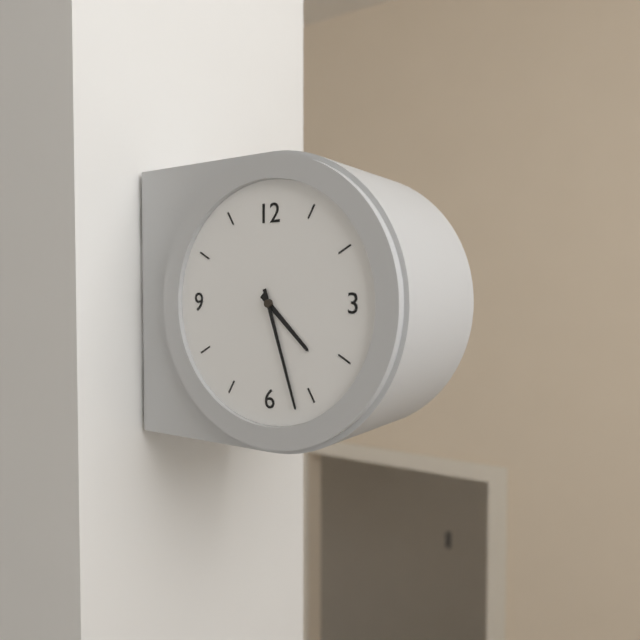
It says 4:27
